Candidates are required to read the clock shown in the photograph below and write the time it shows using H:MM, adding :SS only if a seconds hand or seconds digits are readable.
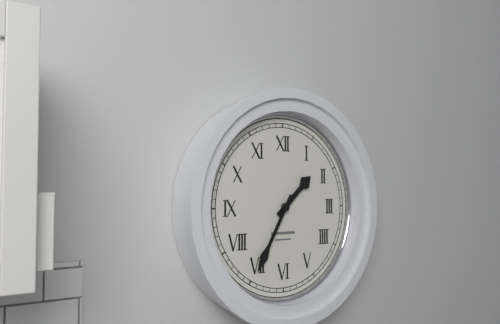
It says 1:35
